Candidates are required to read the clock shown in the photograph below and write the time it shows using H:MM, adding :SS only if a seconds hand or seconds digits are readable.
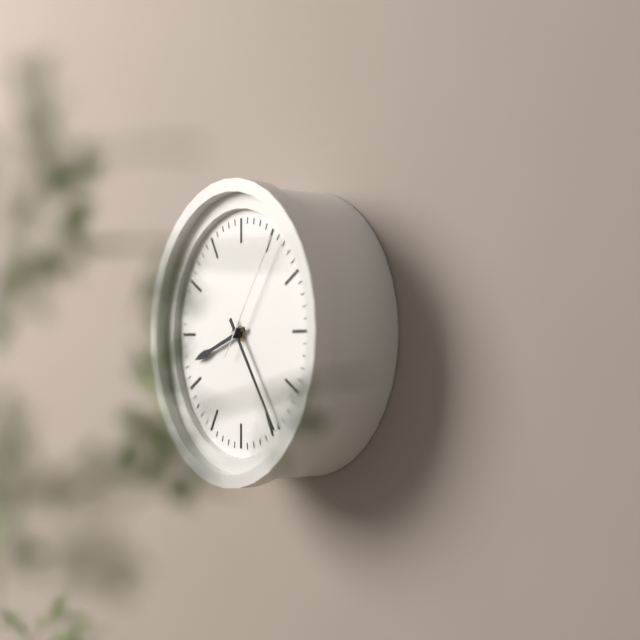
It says 8:24:06
